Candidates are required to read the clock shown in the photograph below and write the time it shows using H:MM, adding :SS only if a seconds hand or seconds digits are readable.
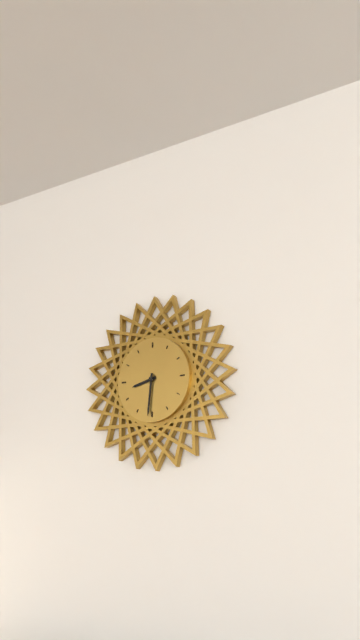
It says 8:31
